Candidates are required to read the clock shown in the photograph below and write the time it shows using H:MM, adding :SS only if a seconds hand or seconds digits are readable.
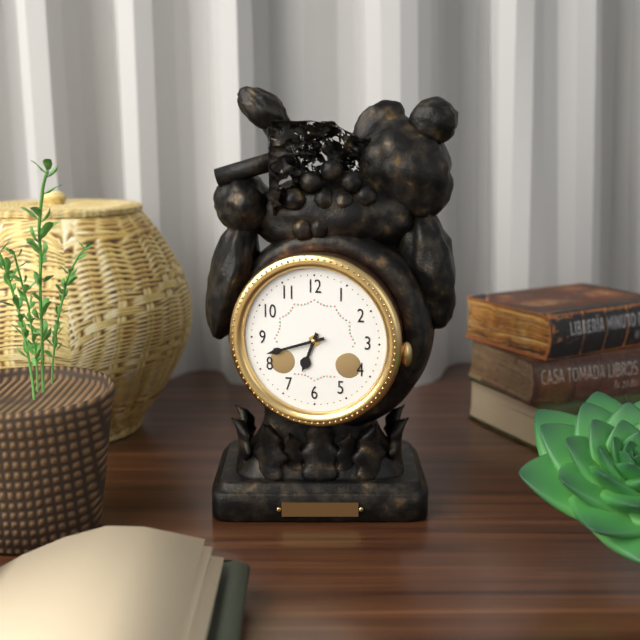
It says 6:42
